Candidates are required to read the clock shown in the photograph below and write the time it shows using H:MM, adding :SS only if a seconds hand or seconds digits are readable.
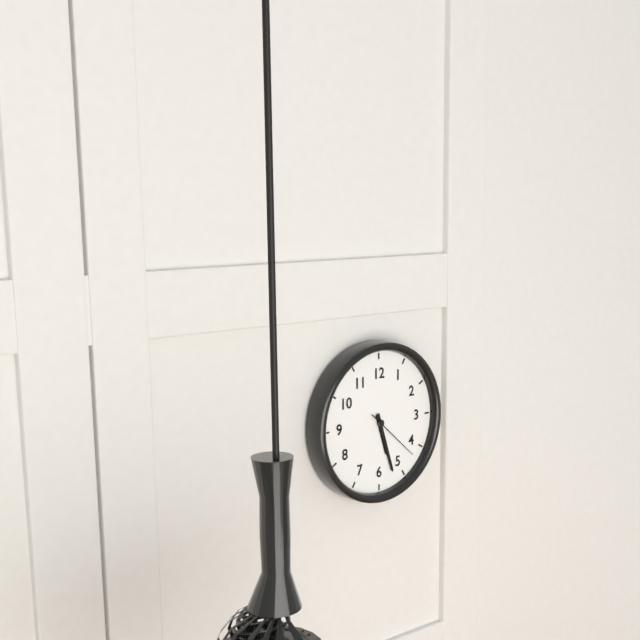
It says 5:27:22
